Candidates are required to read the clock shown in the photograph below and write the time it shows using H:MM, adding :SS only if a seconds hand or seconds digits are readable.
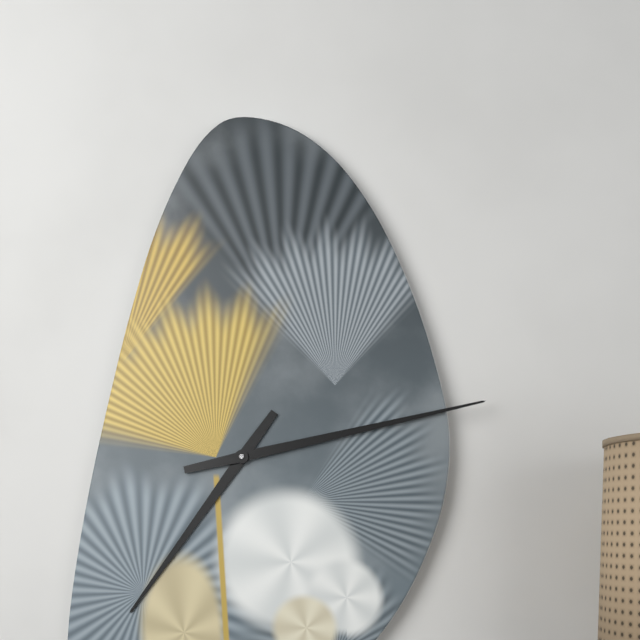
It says 7:13
